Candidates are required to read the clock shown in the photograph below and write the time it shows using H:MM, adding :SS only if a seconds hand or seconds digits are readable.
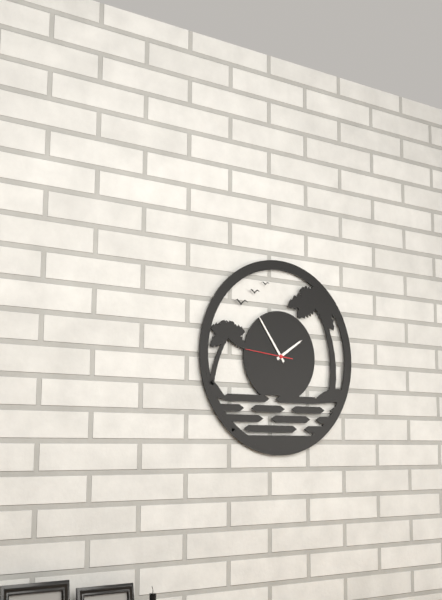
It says 1:54
